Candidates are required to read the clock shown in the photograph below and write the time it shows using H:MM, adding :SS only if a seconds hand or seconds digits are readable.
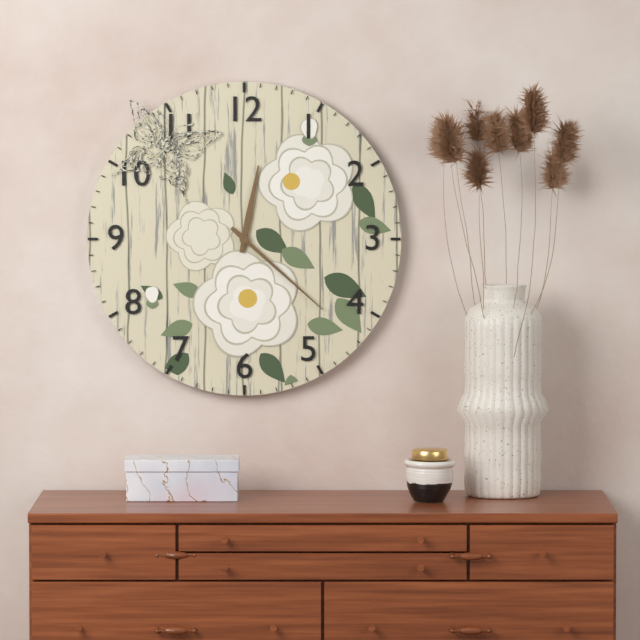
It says 12:22
